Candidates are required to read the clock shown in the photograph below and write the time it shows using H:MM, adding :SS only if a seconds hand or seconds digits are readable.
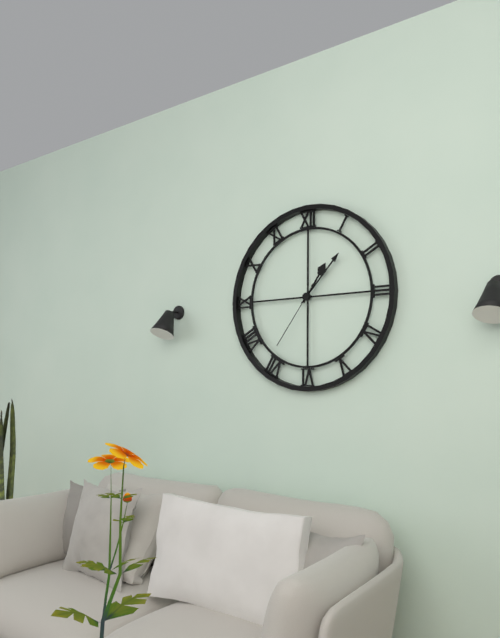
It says 1:07:36
